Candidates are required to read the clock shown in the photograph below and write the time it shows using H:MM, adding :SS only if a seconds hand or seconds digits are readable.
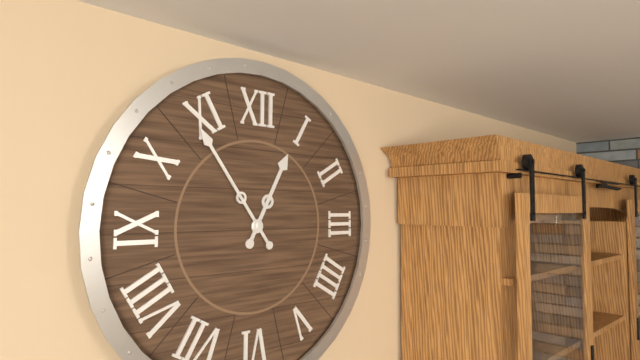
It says 12:54
